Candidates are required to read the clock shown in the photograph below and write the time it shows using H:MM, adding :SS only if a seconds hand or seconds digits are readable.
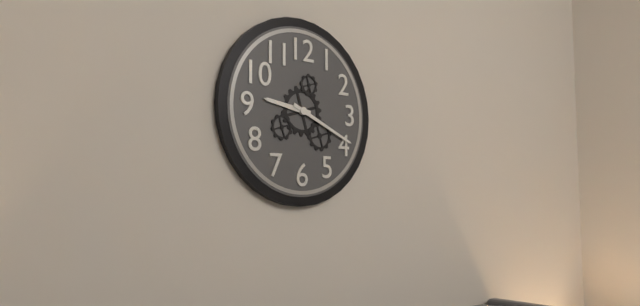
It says 9:19
